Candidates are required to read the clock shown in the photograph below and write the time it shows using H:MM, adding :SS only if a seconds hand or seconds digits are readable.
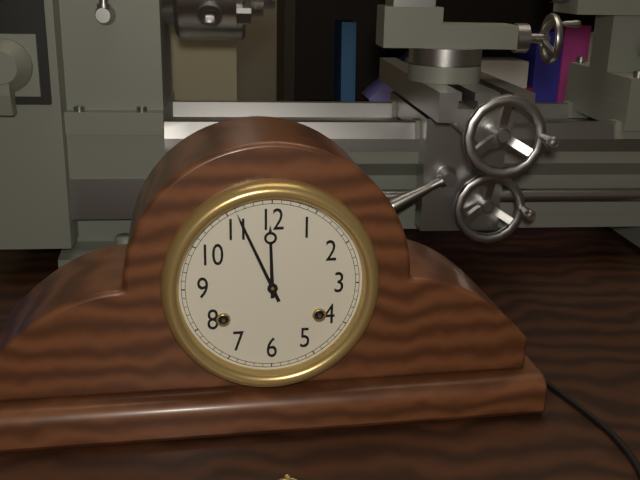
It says 11:56
